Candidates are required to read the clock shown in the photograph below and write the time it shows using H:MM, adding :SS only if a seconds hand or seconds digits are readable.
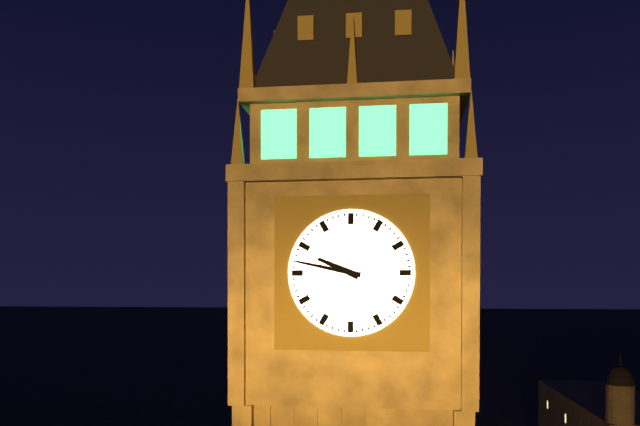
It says 9:47
